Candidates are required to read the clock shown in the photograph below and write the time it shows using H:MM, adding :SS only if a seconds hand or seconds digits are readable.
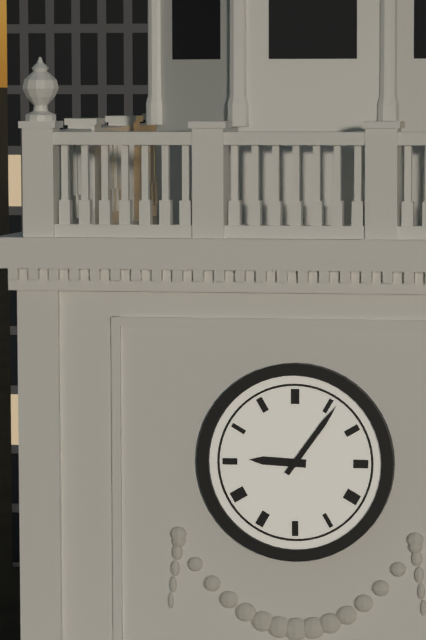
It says 9:06
